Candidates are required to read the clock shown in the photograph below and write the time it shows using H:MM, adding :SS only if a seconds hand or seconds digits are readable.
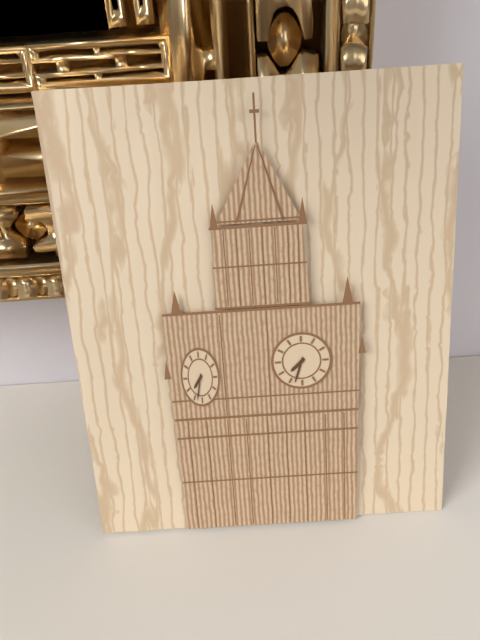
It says 7:33
